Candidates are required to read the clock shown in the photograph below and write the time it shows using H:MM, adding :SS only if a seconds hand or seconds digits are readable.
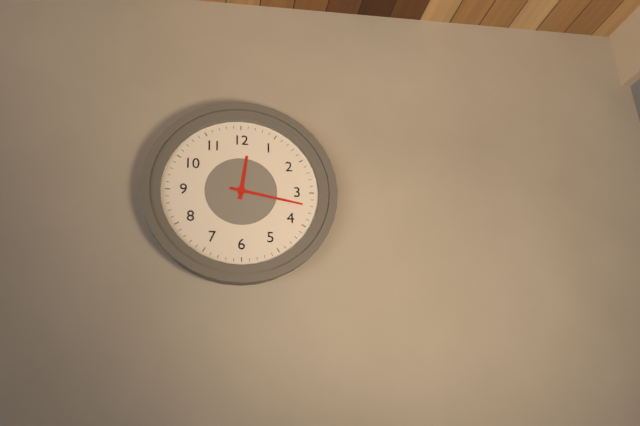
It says 12:17
